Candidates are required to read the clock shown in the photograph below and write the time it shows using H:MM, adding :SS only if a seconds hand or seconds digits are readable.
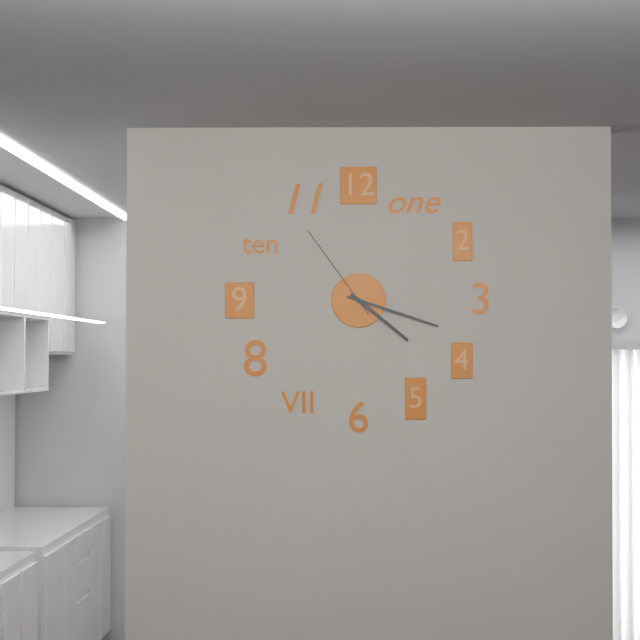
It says 4:18:54
